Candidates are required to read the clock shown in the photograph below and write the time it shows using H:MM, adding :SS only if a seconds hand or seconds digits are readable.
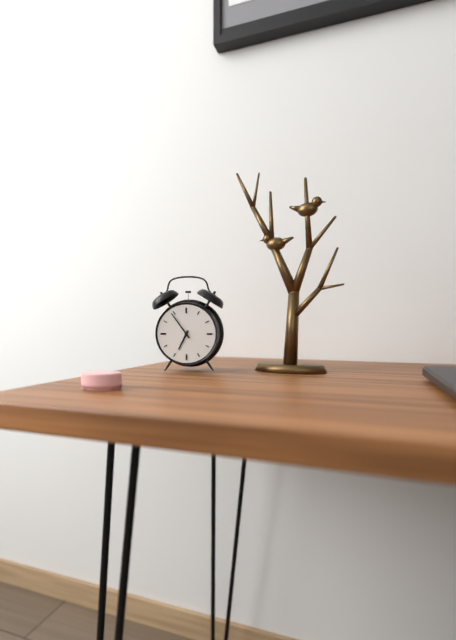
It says 6:54
